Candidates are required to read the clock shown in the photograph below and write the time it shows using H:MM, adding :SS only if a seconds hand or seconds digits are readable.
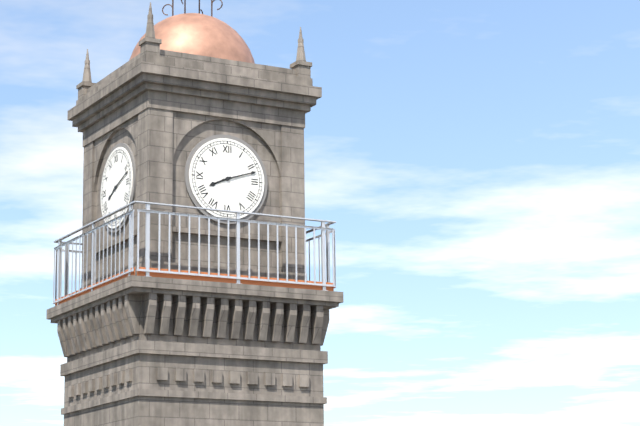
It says 8:12
